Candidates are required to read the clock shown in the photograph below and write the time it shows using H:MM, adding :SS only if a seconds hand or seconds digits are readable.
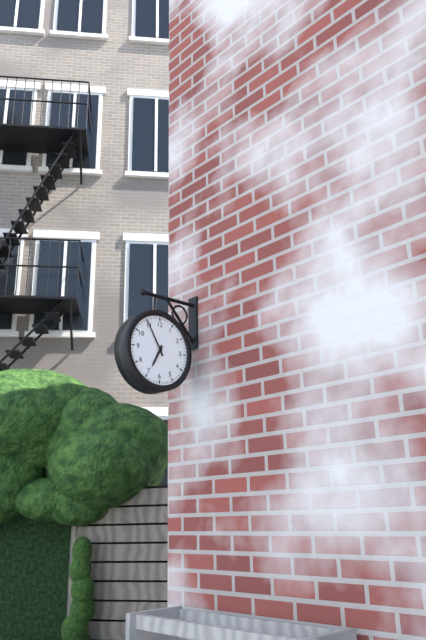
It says 6:55
